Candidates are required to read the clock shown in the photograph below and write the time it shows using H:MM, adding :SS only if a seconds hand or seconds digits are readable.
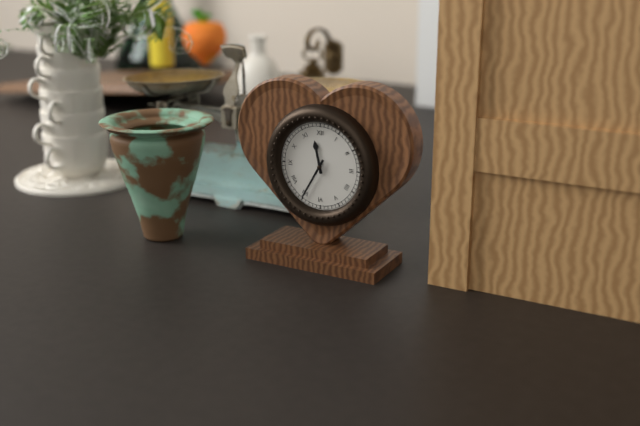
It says 11:35
